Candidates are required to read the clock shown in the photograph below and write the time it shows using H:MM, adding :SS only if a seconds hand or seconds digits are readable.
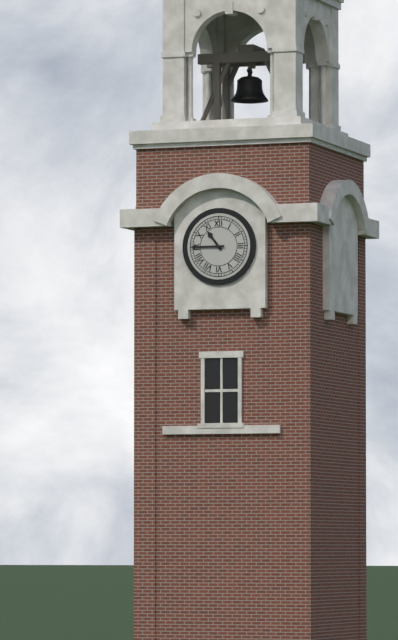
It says 10:45
